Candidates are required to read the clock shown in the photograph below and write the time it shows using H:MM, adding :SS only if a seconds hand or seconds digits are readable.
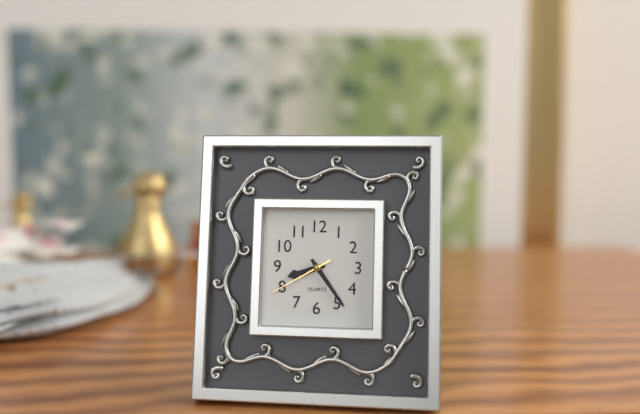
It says 8:24:40
